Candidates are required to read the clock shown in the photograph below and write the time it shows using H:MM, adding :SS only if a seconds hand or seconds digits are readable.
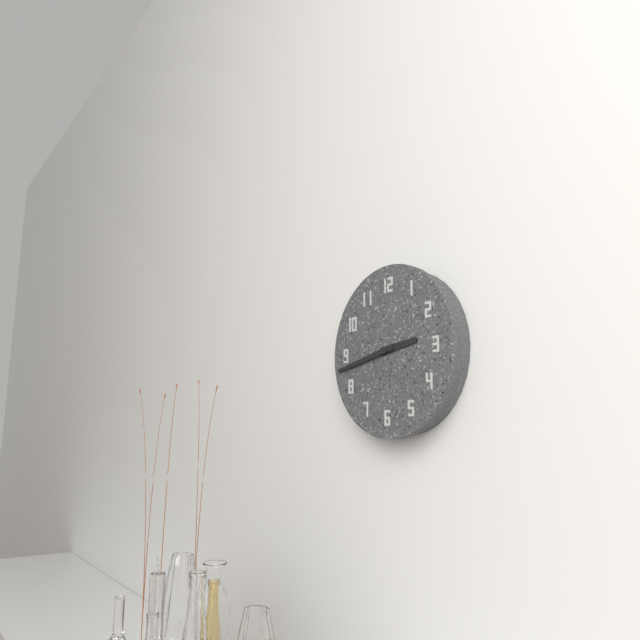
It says 2:43
